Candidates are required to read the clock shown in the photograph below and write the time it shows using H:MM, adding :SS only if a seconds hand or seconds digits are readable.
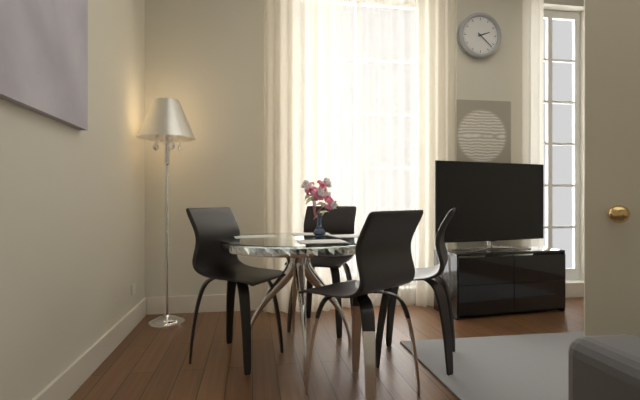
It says 2:22
